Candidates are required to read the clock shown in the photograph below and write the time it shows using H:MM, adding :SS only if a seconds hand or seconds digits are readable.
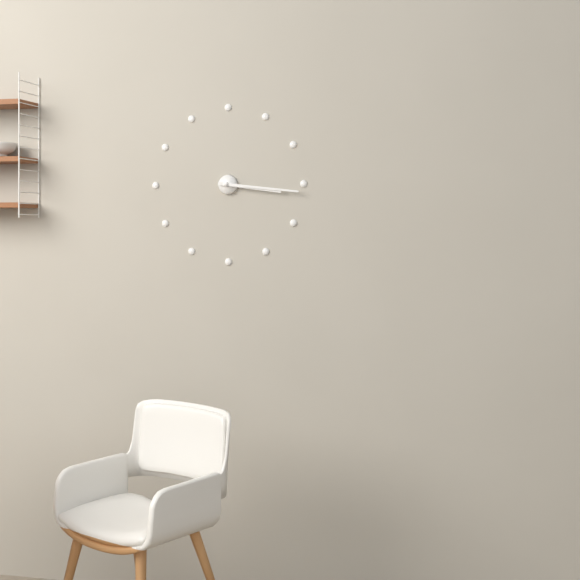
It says 3:16
